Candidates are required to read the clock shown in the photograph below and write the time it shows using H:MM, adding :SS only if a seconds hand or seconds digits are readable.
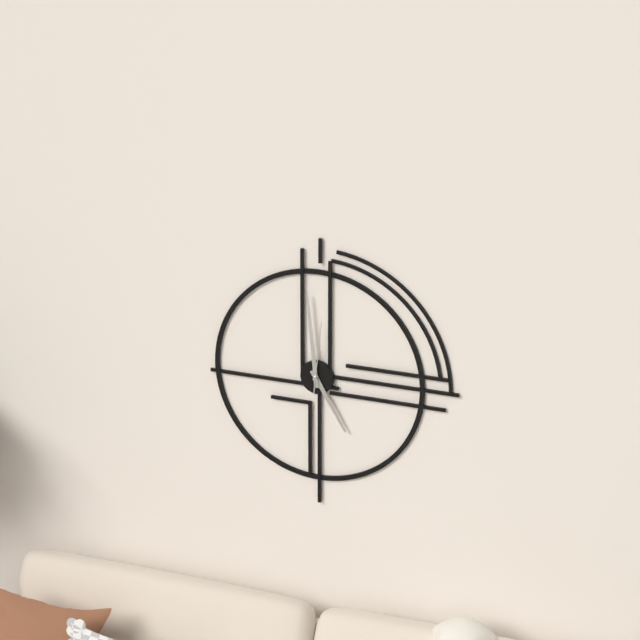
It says 4:59:01
